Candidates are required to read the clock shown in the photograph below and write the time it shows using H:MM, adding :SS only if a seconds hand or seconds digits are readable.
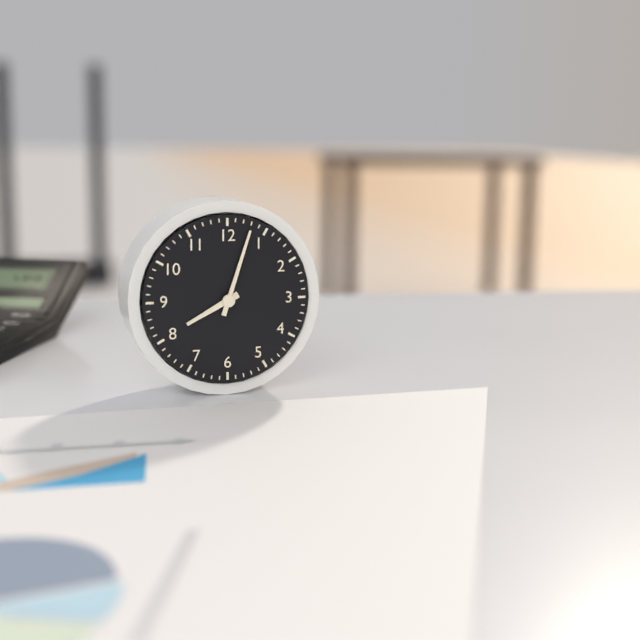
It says 8:03
